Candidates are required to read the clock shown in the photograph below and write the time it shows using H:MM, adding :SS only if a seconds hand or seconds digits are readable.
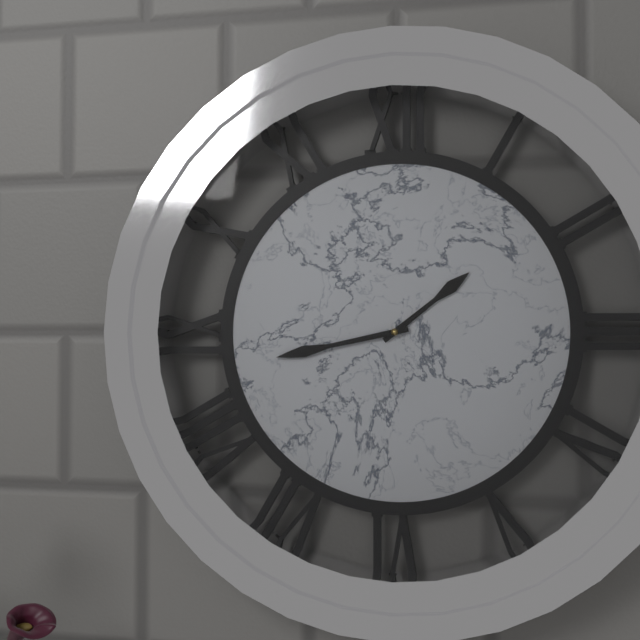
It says 1:43
